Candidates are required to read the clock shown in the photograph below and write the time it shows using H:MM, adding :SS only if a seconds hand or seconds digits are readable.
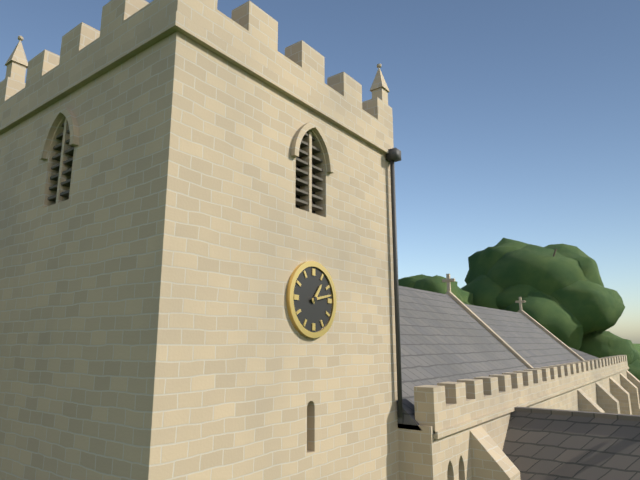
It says 1:13
